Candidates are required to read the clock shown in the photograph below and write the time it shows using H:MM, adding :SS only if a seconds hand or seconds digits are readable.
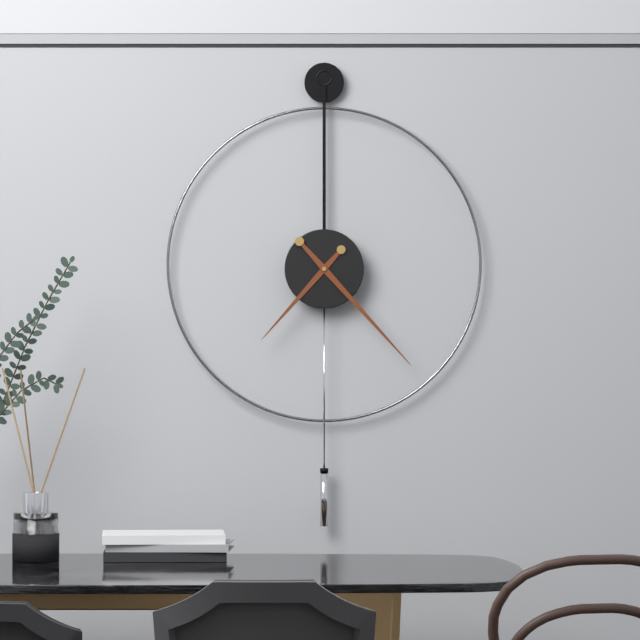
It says 7:23
